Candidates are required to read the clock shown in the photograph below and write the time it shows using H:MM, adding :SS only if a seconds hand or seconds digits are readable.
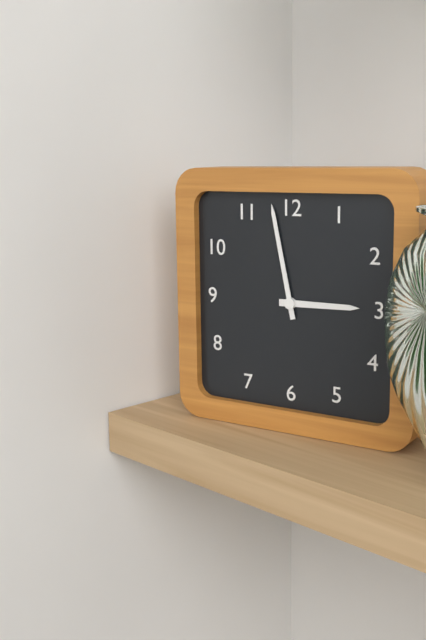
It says 2:58
